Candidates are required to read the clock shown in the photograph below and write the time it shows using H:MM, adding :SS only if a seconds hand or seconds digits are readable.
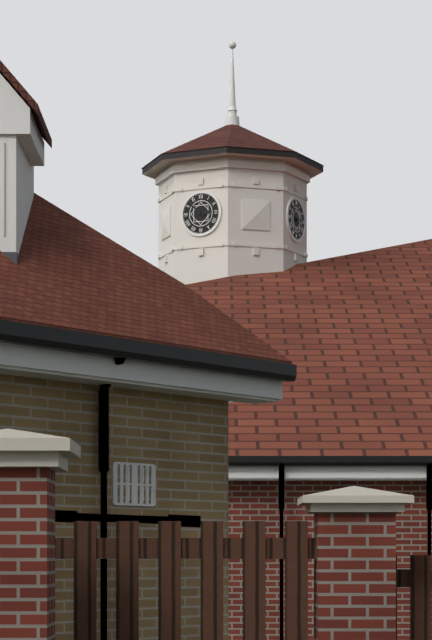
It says 2:52
